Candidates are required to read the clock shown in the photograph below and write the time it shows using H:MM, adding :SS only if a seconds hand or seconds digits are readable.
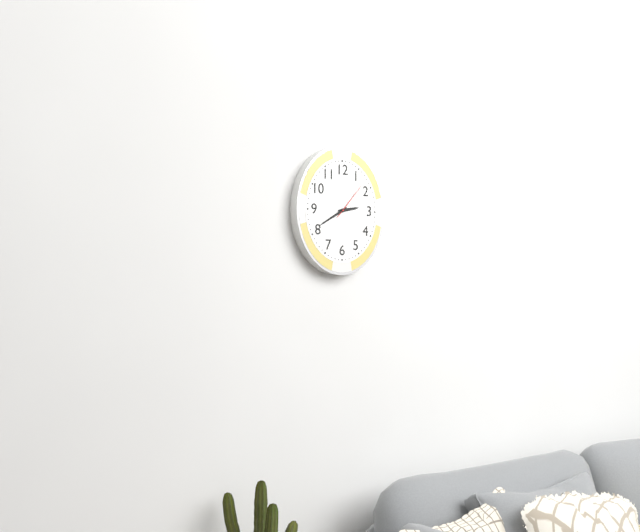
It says 2:40
